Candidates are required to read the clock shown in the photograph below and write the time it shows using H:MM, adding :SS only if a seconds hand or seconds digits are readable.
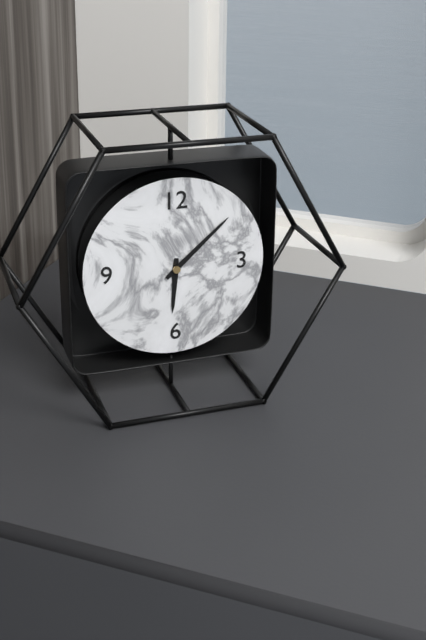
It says 6:08
